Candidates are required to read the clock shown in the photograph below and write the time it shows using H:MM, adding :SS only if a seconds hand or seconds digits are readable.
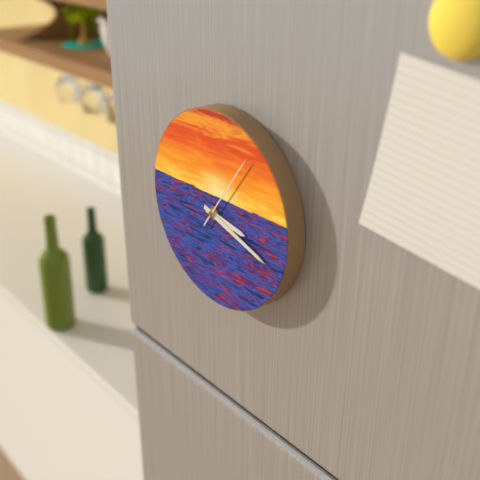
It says 3:18:06
